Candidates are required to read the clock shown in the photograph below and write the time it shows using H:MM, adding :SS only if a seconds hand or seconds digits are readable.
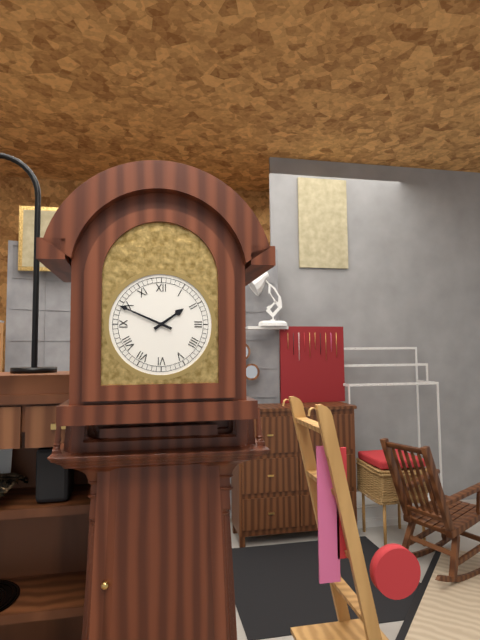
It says 1:49
